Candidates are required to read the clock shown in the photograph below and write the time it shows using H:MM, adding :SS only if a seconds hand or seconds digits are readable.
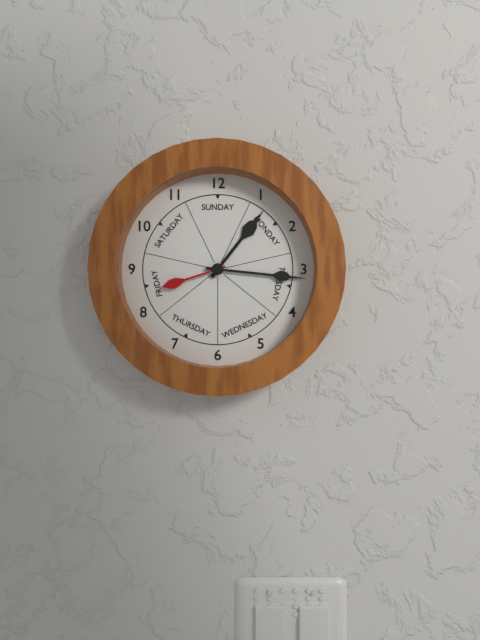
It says 1:16:42
